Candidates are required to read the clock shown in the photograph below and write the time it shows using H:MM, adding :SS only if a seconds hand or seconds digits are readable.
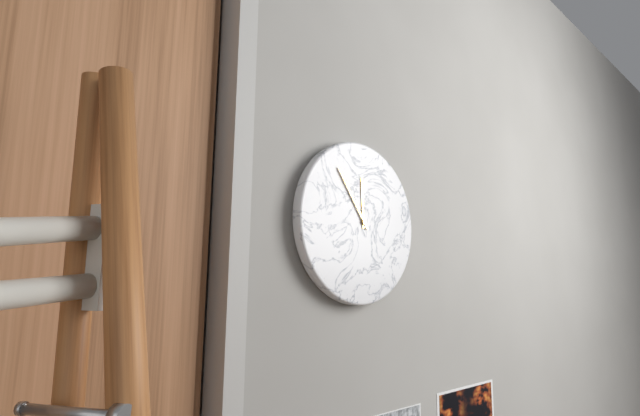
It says 11:54
